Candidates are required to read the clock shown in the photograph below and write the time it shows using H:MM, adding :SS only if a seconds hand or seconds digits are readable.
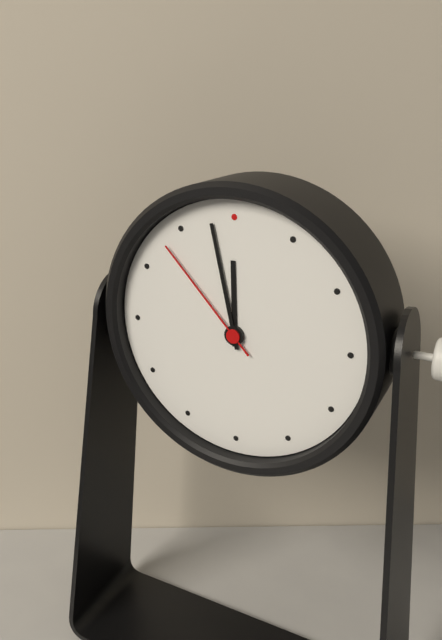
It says 11:58:53
